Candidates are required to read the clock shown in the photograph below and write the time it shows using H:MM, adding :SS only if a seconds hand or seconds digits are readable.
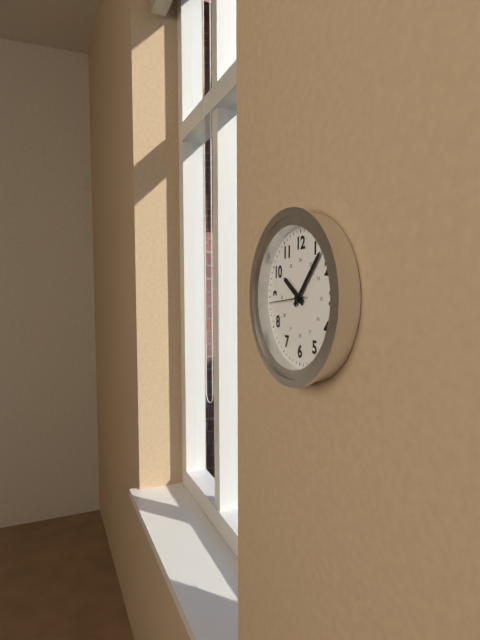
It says 10:07
